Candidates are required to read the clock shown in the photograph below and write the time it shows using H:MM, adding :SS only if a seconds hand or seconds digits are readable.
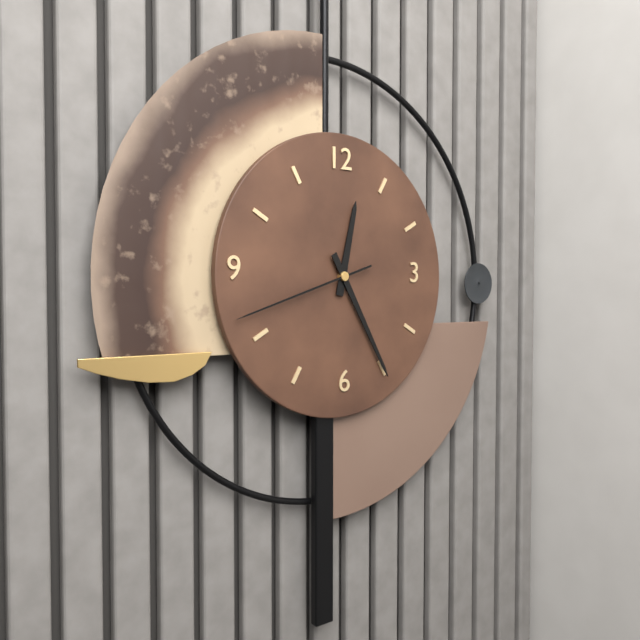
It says 12:25:42
